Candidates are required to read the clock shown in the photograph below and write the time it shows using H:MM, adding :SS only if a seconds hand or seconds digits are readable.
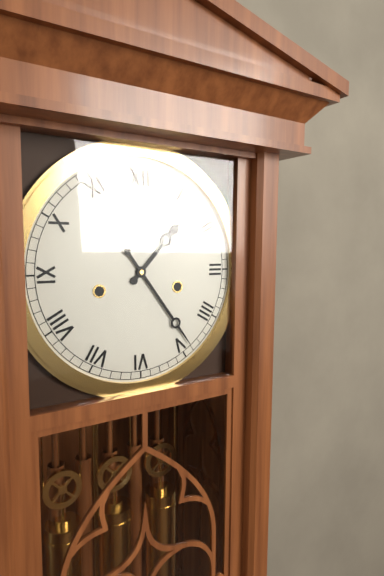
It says 1:24
